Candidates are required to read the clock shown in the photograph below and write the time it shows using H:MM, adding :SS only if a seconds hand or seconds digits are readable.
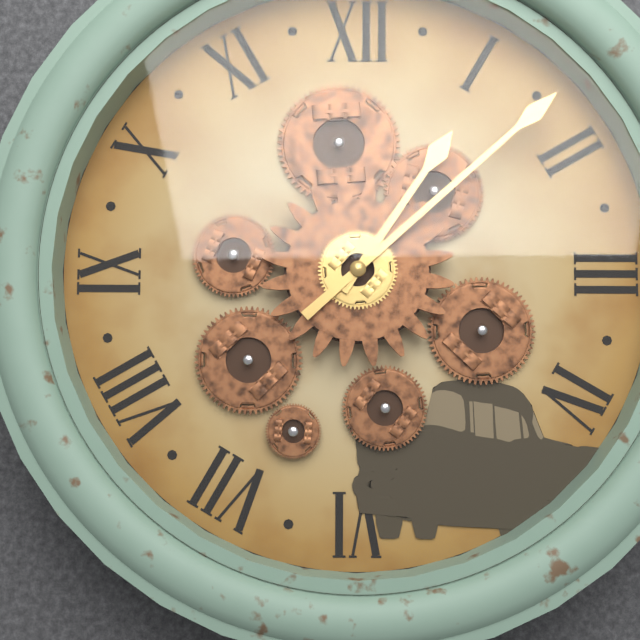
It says 1:08
